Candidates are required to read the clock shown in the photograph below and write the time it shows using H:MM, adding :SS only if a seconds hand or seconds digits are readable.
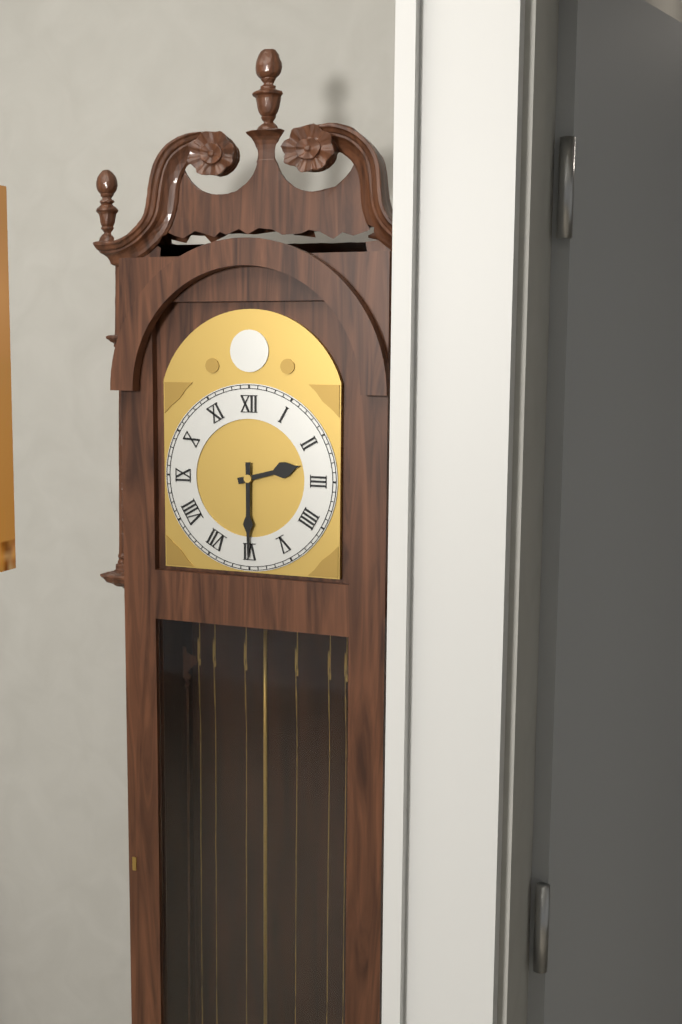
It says 2:30
